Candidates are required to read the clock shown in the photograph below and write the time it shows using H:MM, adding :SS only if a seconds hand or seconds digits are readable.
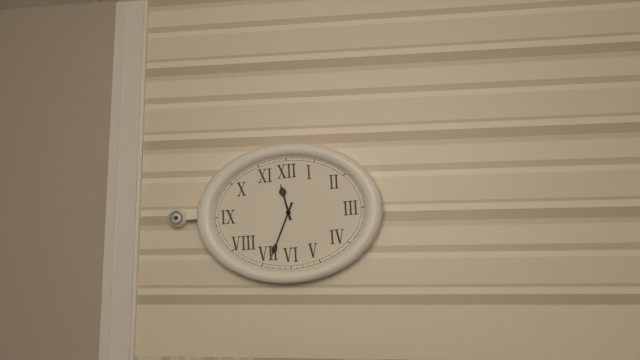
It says 11:34
